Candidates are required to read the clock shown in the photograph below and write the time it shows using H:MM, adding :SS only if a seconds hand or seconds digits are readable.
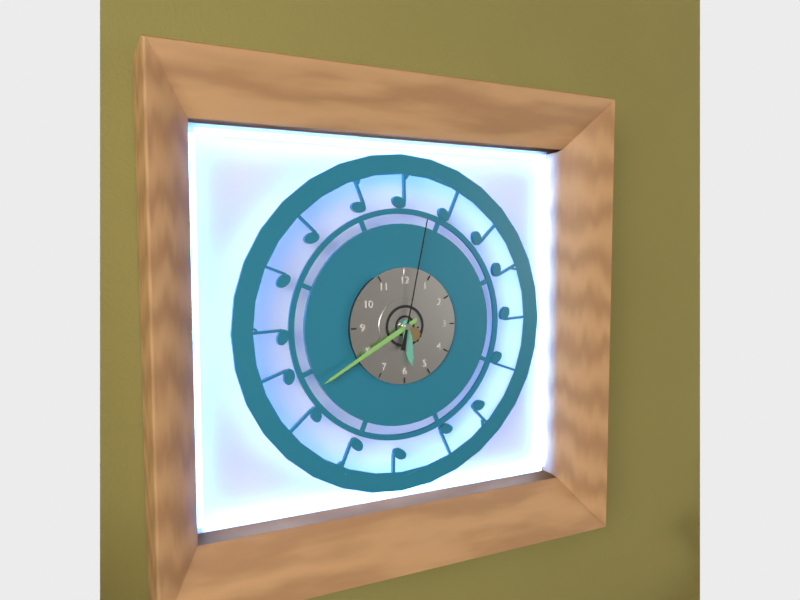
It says 5:40:02
